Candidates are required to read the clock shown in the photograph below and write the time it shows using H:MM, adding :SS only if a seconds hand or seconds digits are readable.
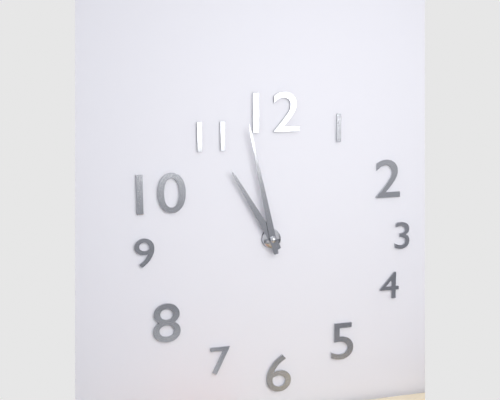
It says 10:58
